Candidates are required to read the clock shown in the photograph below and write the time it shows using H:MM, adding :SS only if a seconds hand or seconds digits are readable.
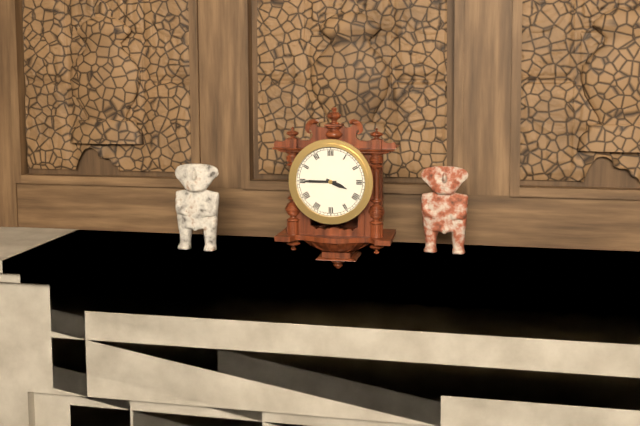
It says 3:45
